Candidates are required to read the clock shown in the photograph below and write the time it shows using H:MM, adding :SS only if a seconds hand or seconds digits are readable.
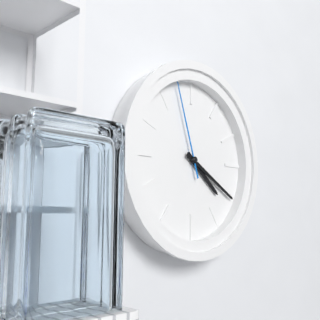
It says 4:20:57
